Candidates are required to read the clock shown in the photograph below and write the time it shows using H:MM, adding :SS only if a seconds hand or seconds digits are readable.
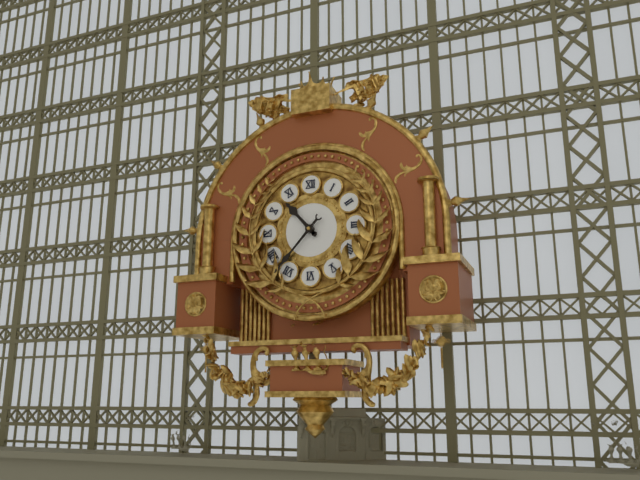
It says 10:37
